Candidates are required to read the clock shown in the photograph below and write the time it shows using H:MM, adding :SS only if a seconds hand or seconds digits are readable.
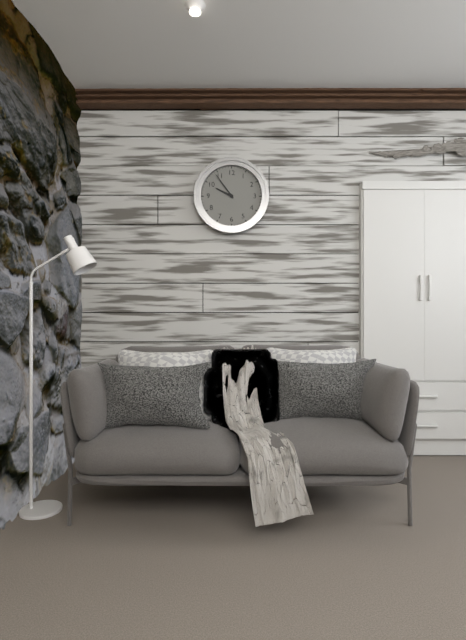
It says 9:54
